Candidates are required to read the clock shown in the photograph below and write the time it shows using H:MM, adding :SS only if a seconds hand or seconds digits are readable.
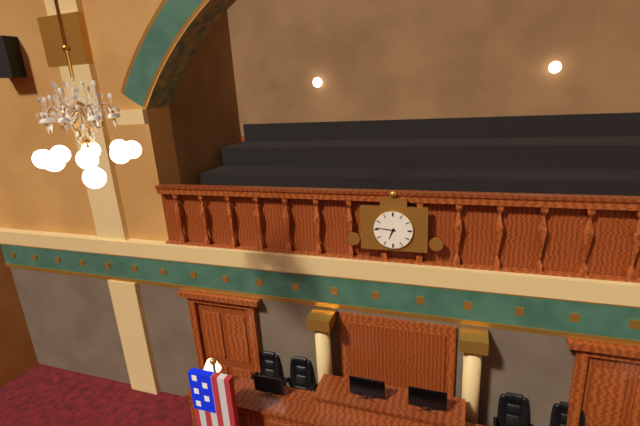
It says 6:46
